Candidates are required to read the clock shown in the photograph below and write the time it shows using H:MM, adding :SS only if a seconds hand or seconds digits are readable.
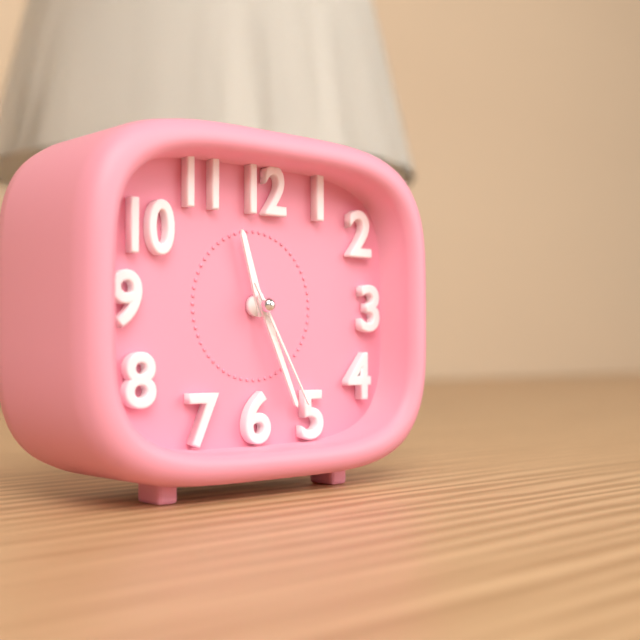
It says 11:26:25
